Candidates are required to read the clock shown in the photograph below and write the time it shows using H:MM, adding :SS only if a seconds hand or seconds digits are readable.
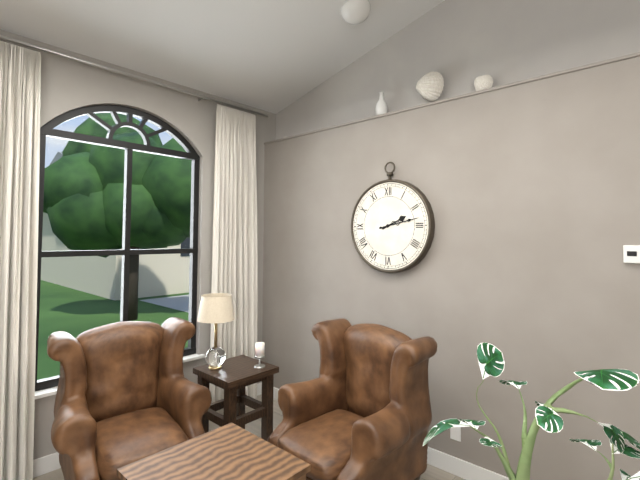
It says 2:13
